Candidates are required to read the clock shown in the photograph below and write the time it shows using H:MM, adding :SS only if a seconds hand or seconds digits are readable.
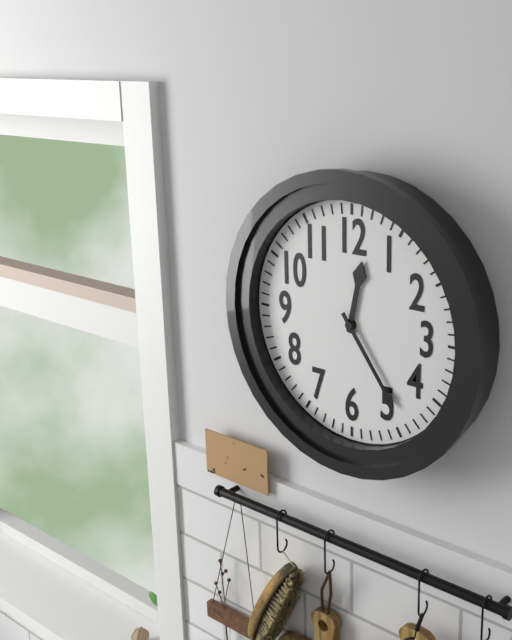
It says 12:24
